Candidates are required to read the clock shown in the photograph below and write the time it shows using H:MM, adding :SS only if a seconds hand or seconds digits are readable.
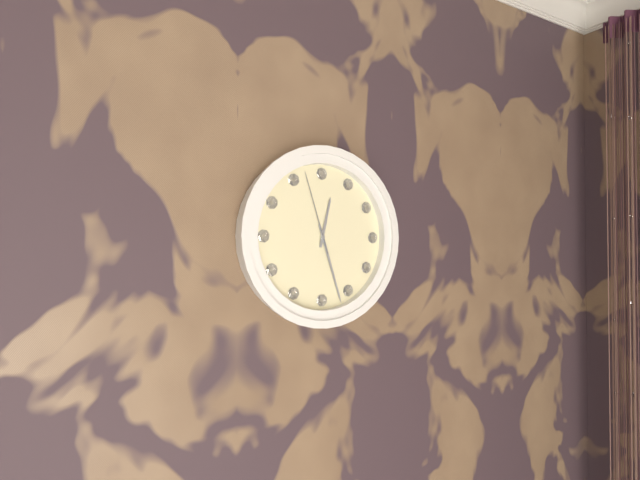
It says 12:27:57
